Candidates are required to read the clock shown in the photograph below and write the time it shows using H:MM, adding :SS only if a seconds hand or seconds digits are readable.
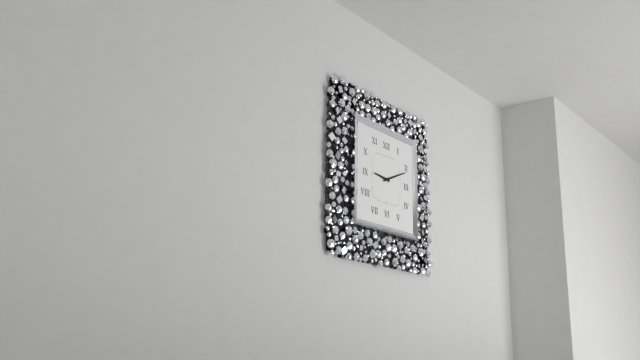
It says 9:11
